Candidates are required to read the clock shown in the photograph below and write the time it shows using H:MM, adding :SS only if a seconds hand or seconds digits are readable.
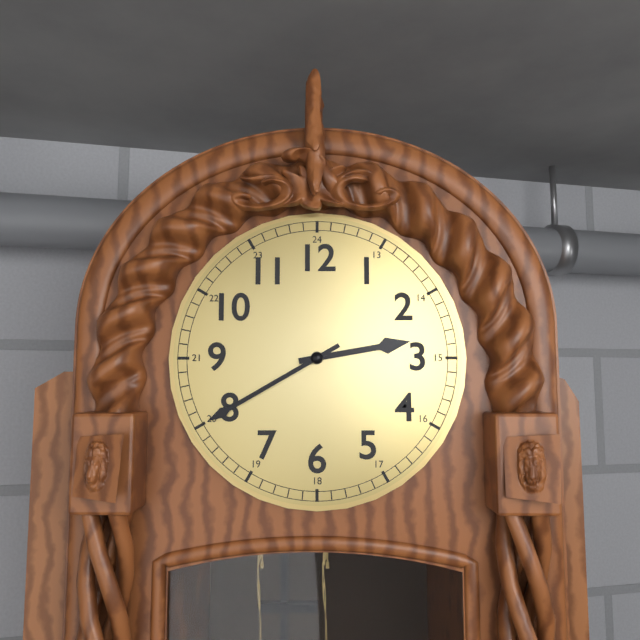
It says 2:40
